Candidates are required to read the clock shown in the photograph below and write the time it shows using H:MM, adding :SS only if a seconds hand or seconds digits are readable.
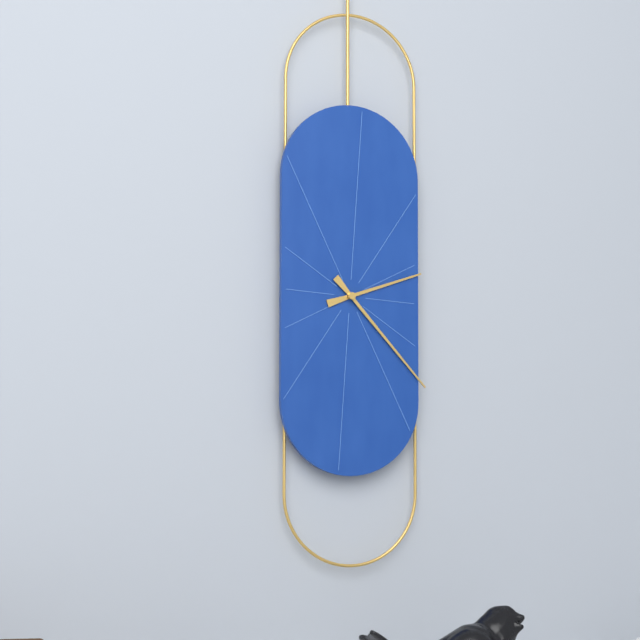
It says 2:23
